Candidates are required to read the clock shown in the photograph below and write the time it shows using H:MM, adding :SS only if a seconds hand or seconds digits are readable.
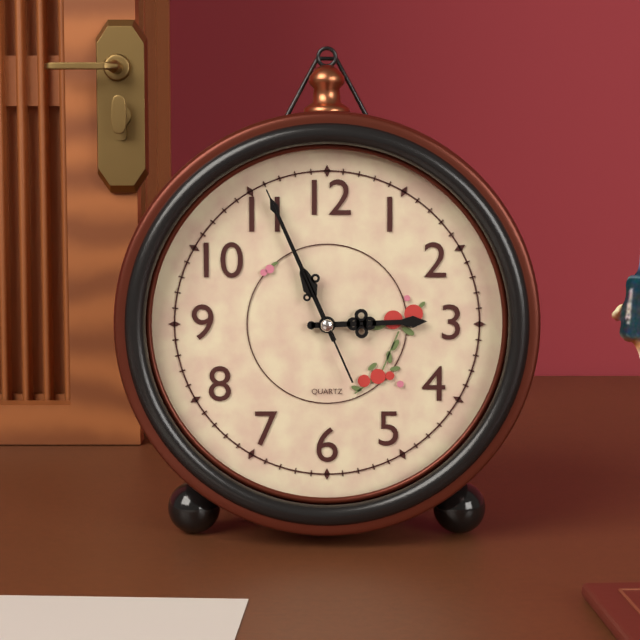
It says 2:56:56
